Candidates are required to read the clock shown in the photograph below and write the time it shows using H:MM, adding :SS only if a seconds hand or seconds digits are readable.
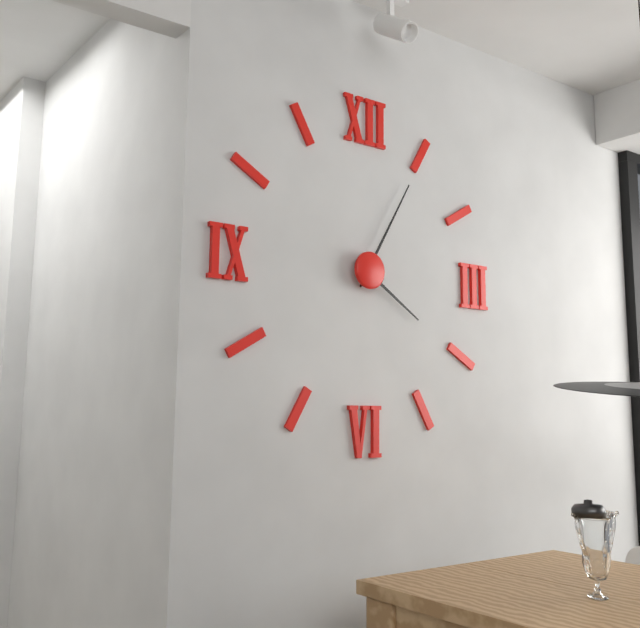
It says 4:05
